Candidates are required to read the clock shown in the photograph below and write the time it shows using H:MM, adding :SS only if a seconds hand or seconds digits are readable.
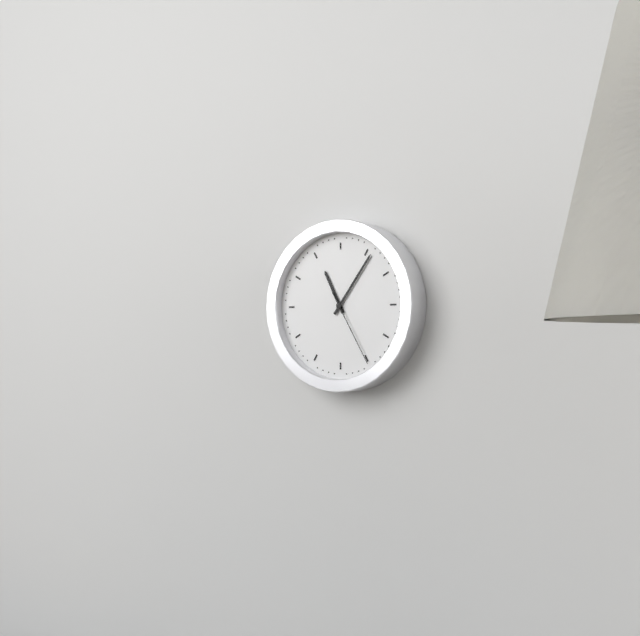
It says 11:06:25
